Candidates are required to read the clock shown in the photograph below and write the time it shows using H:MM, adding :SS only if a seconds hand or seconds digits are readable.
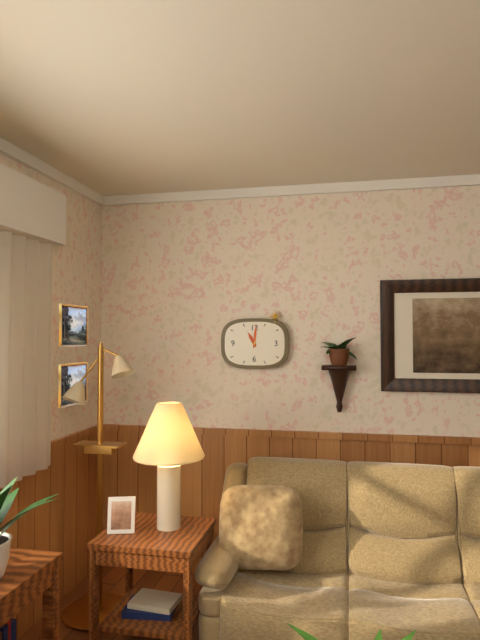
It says 11:01
